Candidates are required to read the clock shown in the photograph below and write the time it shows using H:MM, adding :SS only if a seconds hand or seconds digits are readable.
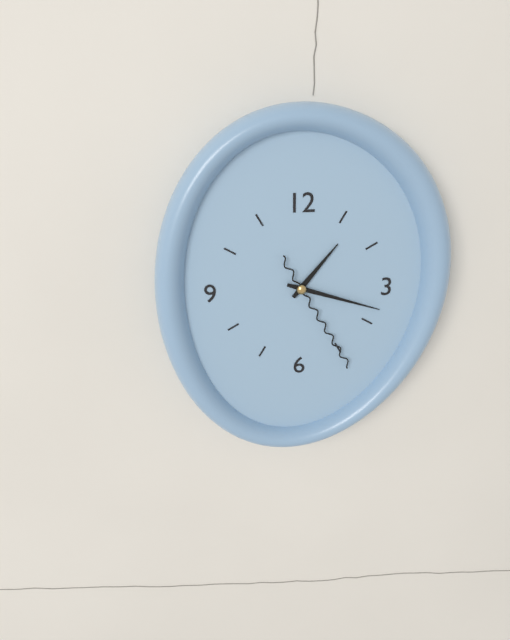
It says 1:18:25
